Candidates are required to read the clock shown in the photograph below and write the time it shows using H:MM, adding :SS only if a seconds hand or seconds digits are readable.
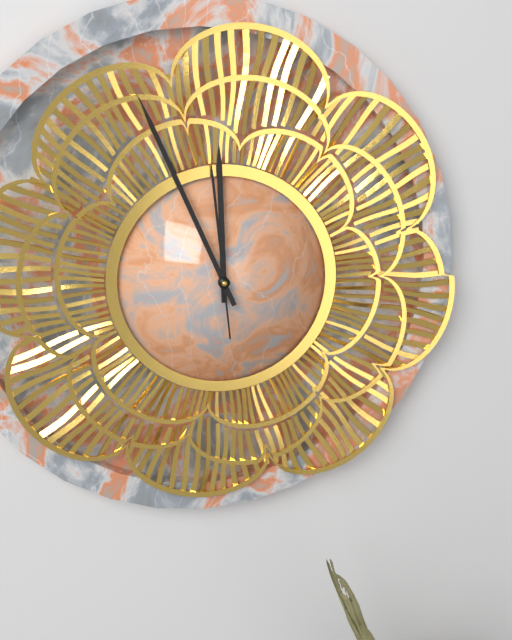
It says 11:56:59
